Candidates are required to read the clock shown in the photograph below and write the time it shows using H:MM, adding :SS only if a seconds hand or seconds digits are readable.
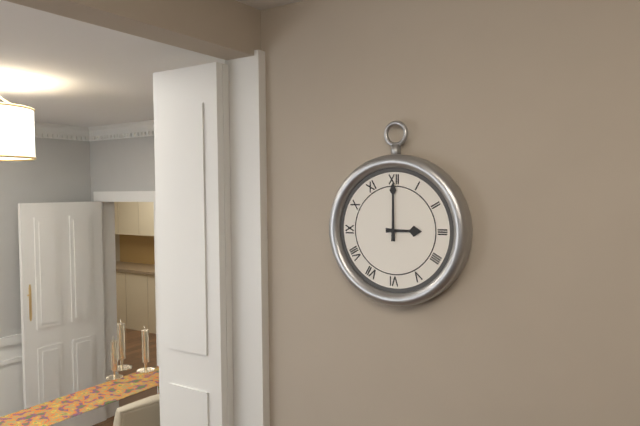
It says 3:00
